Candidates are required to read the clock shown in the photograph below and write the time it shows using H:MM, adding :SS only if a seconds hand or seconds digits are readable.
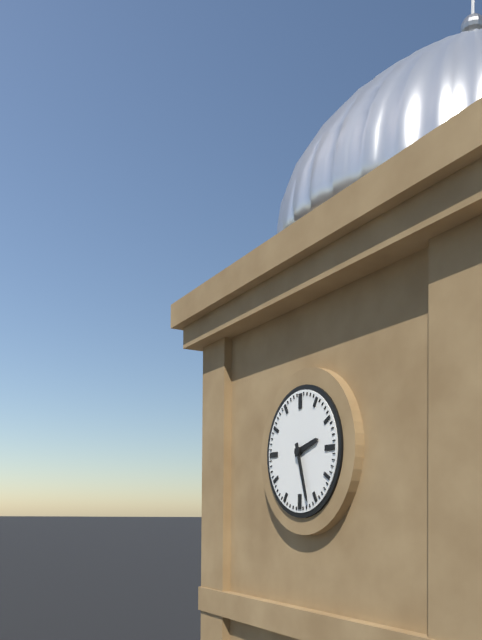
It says 2:27
